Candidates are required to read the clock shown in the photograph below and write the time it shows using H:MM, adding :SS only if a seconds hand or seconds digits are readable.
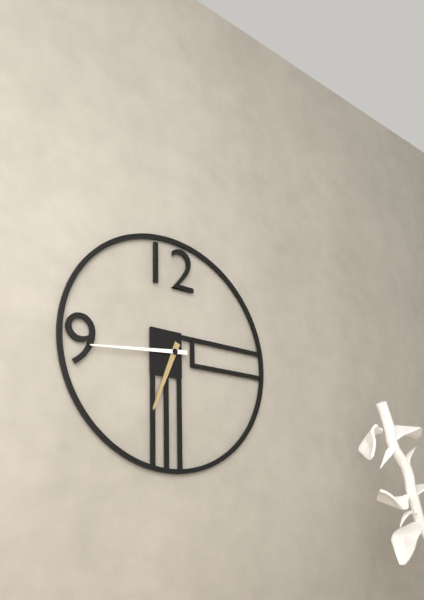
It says 6:44
